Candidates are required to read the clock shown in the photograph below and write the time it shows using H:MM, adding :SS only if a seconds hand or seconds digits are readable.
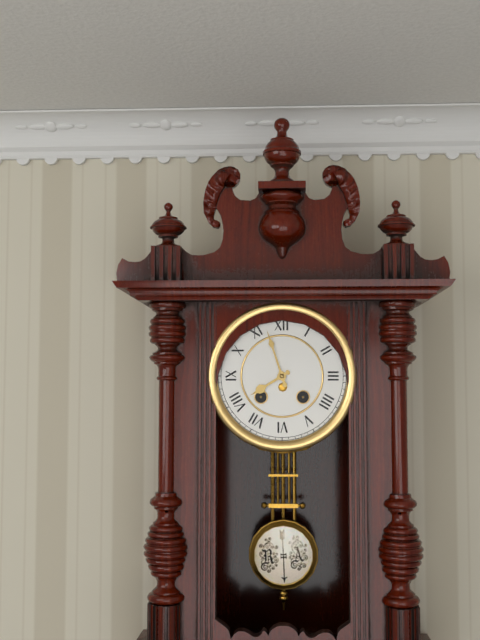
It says 7:57
